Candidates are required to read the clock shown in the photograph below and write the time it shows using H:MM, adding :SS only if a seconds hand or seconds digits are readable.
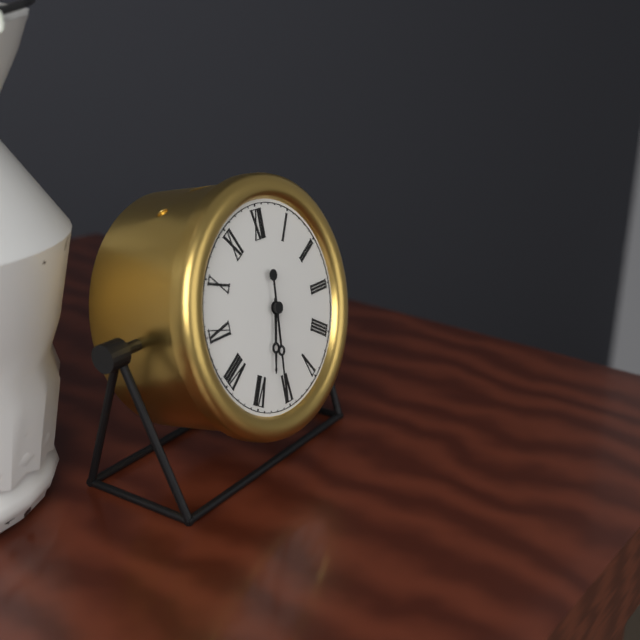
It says 6:31
